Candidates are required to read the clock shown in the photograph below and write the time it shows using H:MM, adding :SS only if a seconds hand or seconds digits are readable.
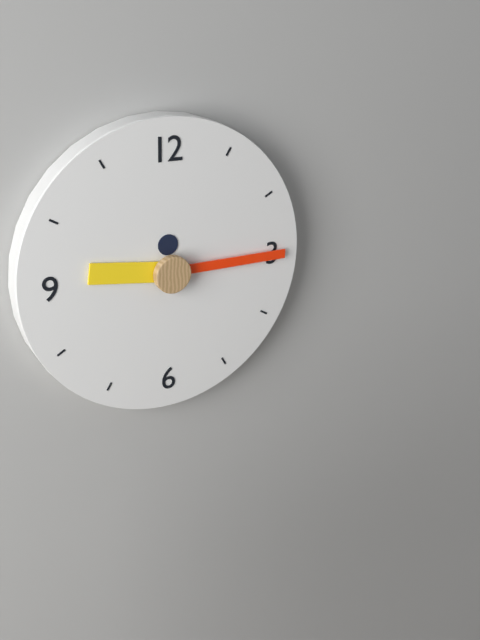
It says 9:15
